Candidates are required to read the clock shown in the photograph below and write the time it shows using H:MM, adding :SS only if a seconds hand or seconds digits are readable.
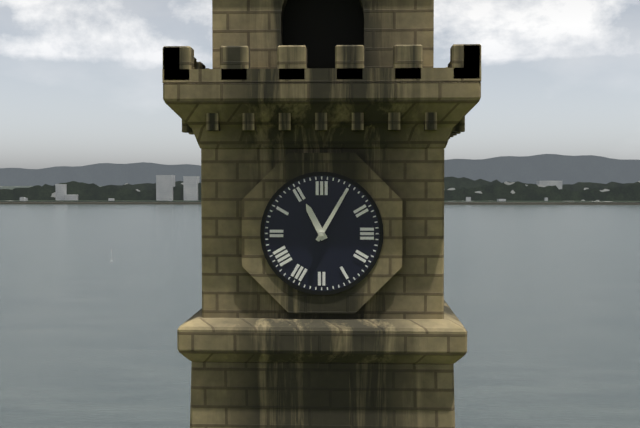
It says 11:05
